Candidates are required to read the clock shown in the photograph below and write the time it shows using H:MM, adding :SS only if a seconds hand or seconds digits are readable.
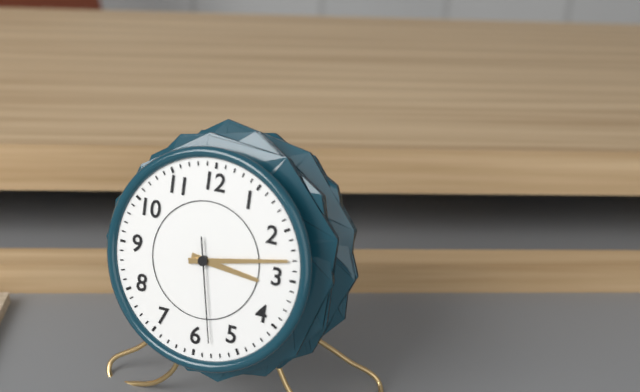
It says 3:13:28
